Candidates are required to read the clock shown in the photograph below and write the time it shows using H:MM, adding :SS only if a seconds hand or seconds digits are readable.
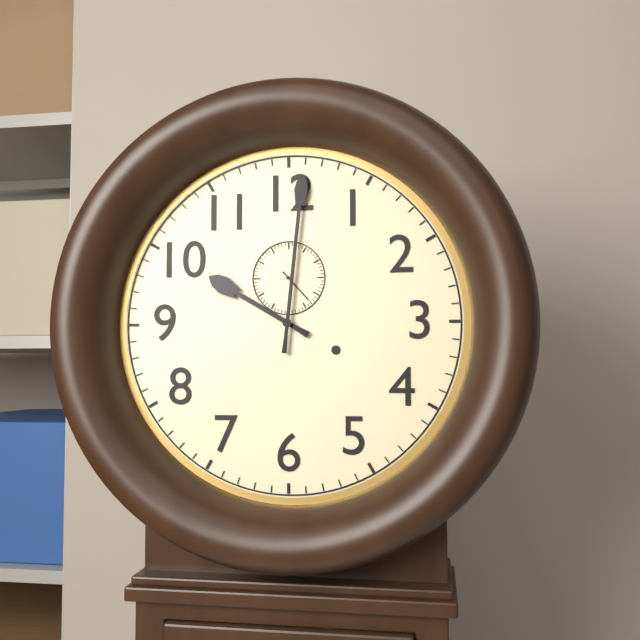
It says 10:01
